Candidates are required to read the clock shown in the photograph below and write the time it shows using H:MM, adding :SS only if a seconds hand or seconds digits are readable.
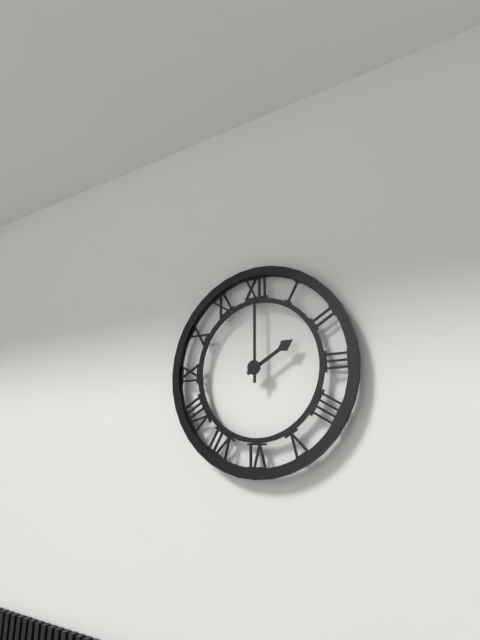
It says 2:00
